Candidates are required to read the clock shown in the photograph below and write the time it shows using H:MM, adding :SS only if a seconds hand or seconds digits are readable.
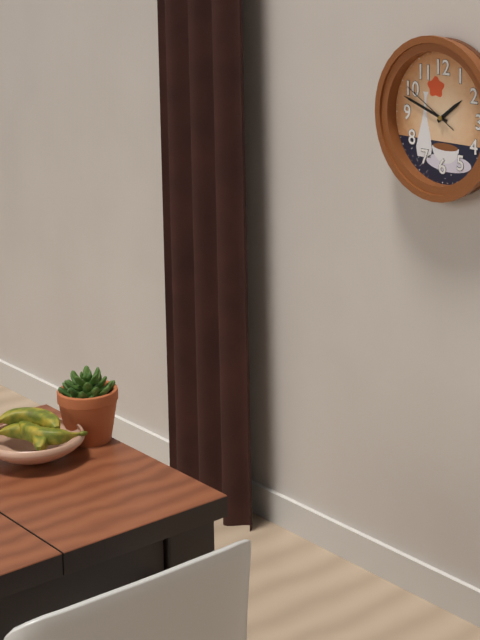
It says 1:48:50
